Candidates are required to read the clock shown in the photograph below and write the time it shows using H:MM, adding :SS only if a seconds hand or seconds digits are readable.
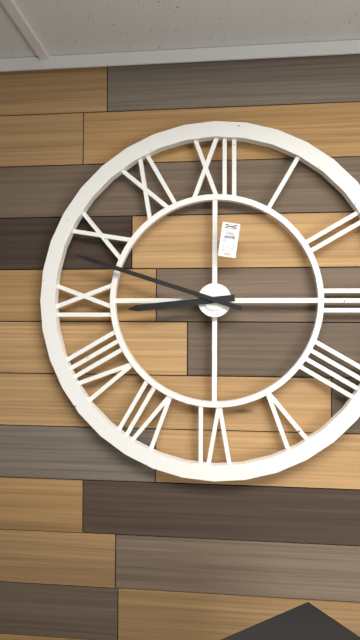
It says 8:48
